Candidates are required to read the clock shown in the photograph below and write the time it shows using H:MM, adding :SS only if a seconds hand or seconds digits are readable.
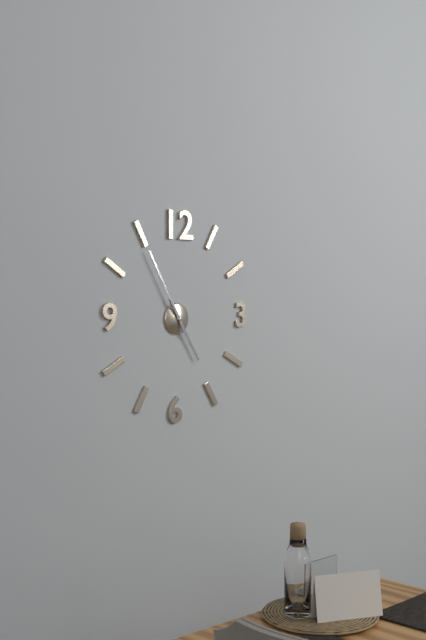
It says 4:55
